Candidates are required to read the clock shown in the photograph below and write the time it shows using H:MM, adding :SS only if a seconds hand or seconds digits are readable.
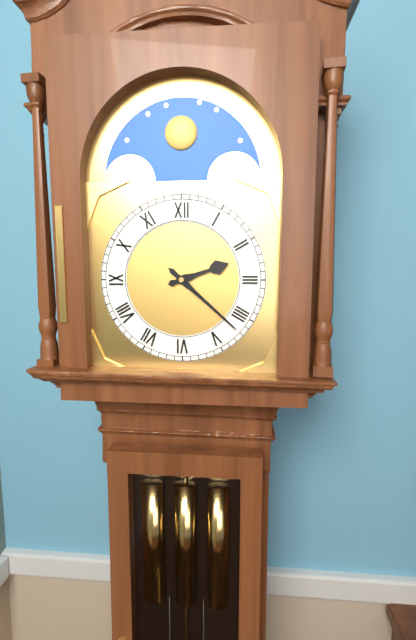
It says 2:22
